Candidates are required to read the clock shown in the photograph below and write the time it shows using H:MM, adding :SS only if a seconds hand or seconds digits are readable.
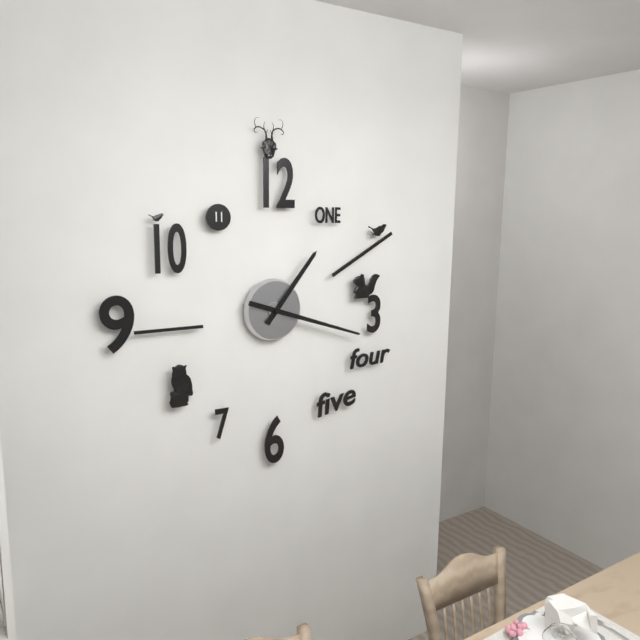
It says 1:18
